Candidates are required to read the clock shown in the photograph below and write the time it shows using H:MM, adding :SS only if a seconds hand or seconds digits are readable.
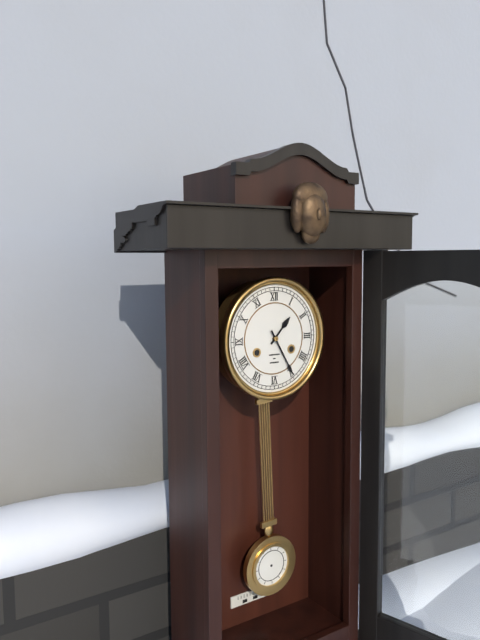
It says 1:25
